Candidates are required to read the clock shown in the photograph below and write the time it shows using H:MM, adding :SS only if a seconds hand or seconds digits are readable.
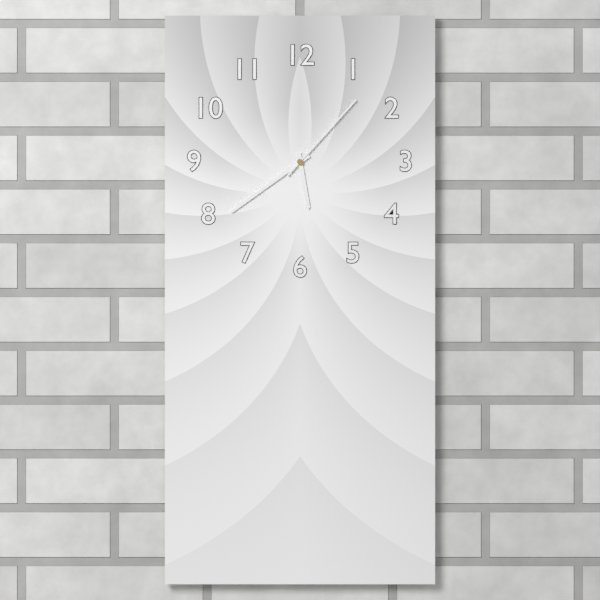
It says 5:39:07
